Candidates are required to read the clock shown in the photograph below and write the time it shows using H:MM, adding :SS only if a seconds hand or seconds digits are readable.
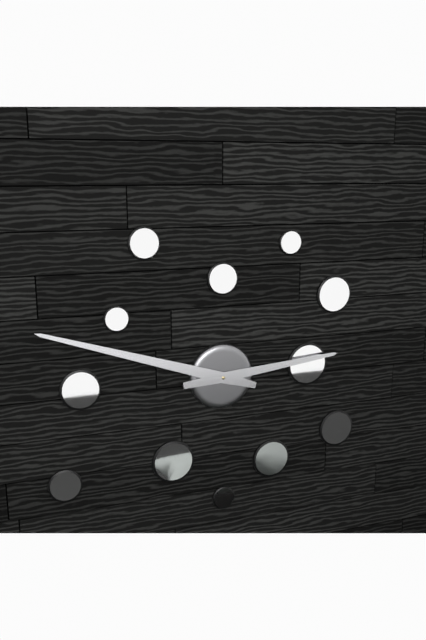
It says 2:48
